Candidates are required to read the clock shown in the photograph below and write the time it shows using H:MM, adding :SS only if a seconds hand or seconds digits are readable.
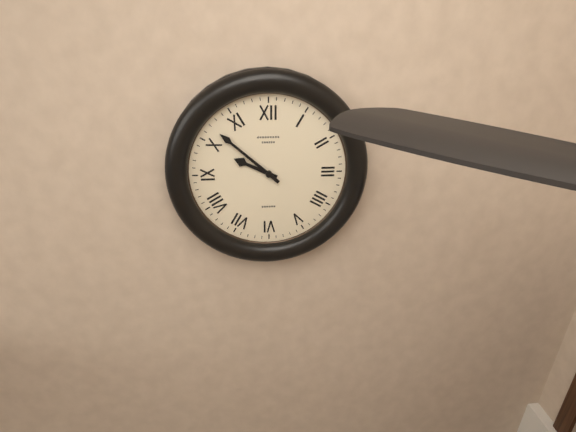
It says 9:52
